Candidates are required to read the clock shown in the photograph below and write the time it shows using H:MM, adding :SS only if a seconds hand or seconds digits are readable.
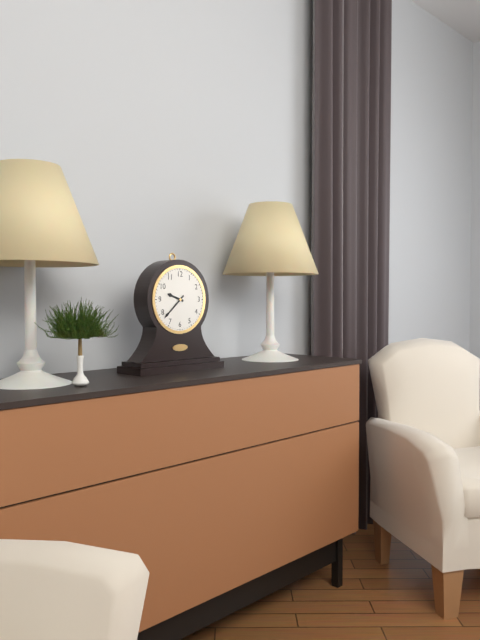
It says 9:38
